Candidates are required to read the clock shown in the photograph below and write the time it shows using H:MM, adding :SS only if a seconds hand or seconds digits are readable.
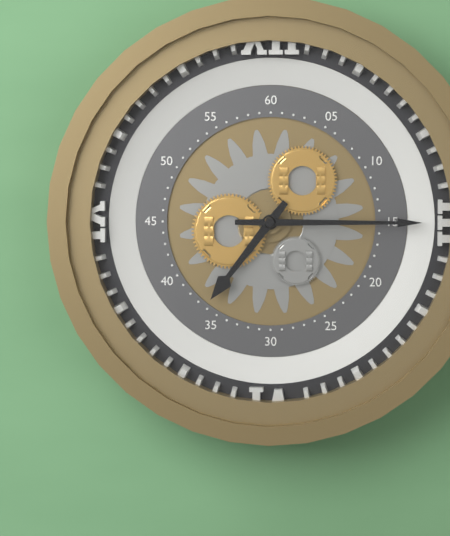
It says 7:15
